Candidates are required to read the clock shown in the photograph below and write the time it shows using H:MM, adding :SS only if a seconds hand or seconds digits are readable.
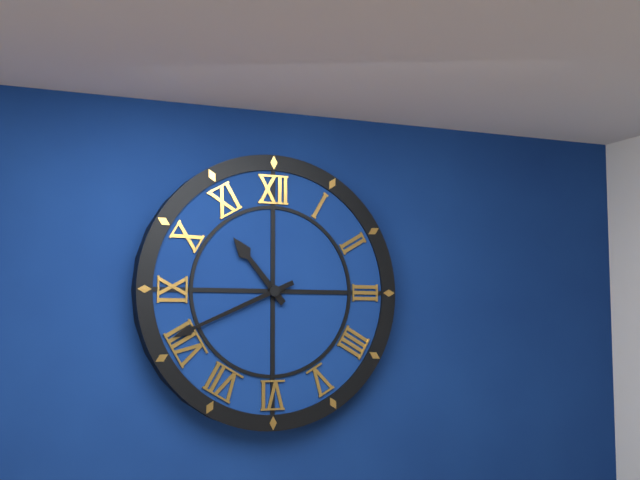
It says 10:41
